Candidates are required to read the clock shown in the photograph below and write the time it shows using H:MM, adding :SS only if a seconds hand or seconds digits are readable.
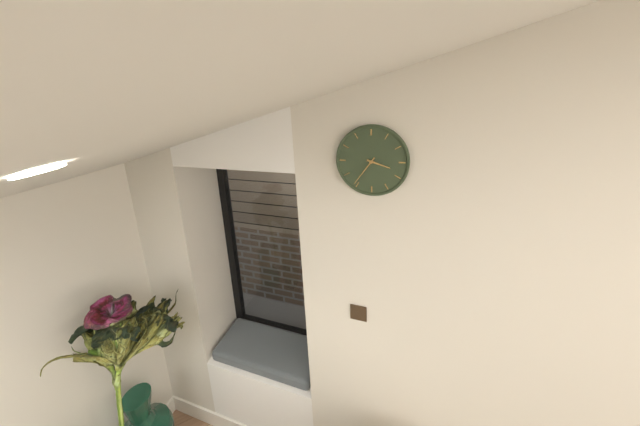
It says 3:36
